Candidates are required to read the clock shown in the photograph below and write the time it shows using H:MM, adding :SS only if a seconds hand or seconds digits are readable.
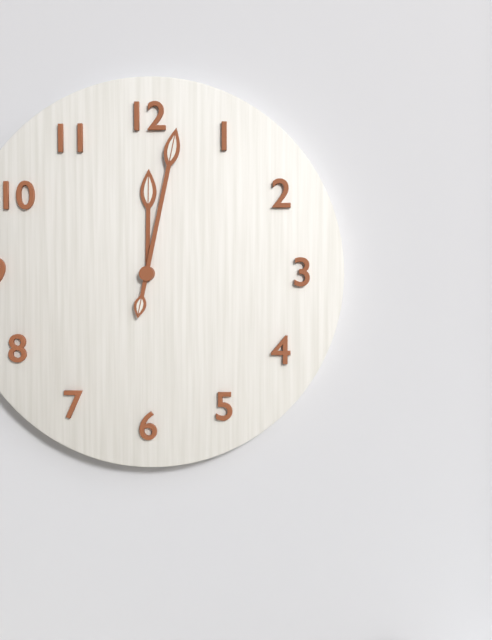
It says 12:02
